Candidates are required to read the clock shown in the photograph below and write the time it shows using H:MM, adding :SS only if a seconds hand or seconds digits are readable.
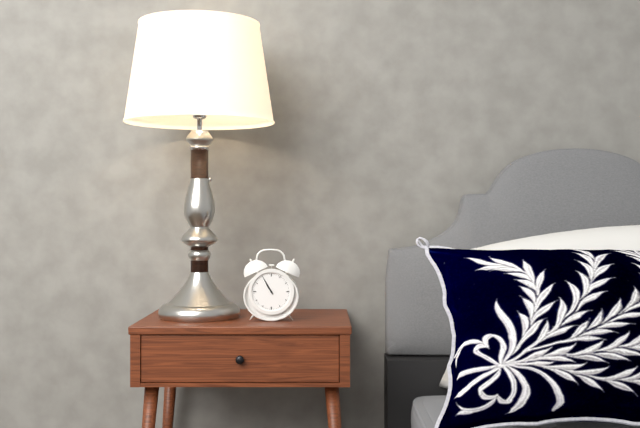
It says 10:55
